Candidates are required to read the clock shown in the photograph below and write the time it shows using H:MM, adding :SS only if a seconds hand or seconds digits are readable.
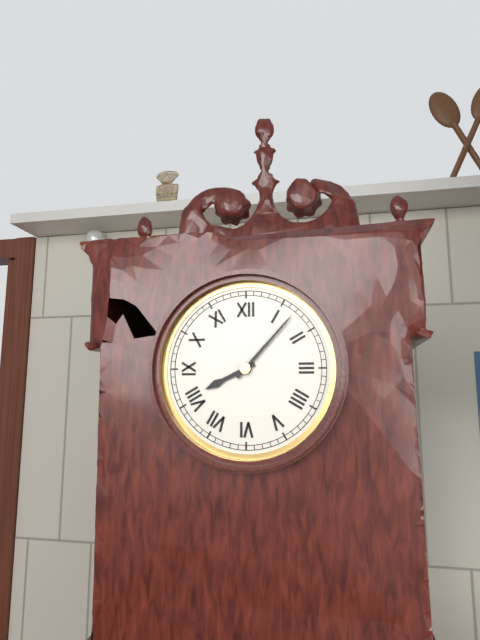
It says 8:07
